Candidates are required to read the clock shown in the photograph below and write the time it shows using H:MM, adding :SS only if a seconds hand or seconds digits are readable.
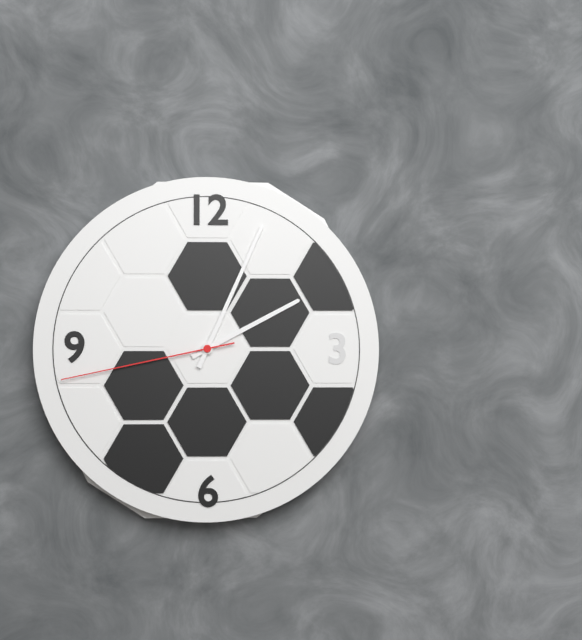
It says 2:04:43
